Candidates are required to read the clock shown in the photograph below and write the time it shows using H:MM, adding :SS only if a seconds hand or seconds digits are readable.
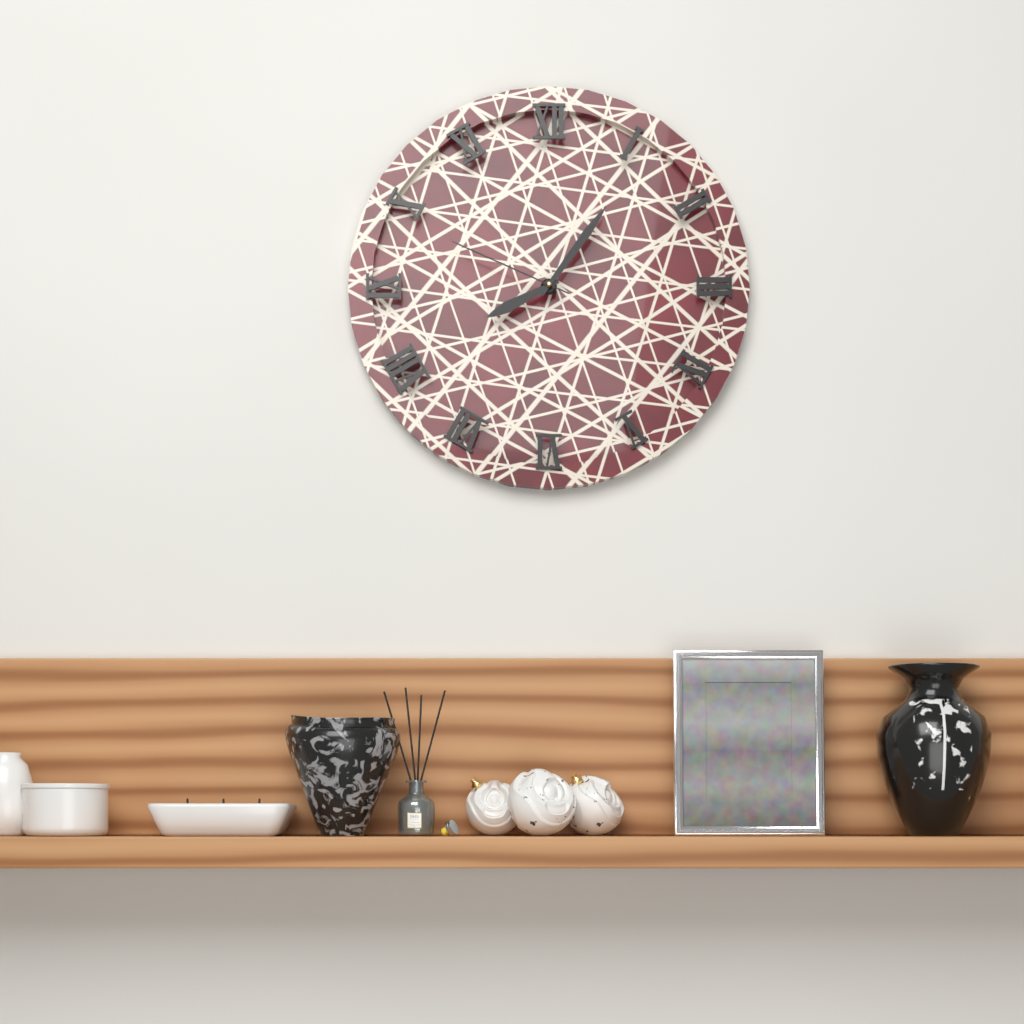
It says 8:06:49
